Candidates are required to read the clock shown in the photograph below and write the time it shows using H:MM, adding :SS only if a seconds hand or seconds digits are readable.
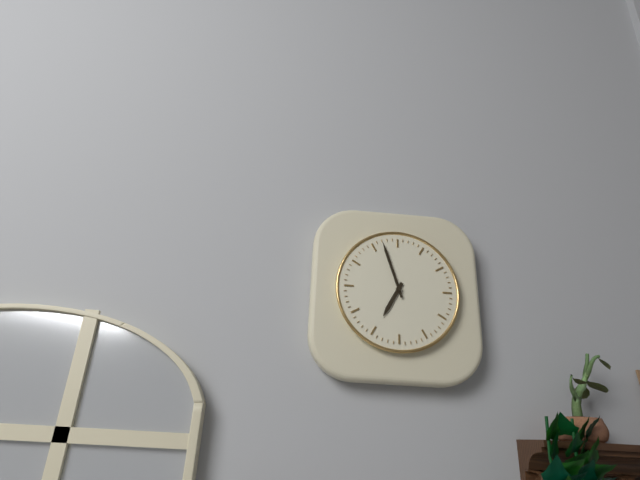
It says 6:57
